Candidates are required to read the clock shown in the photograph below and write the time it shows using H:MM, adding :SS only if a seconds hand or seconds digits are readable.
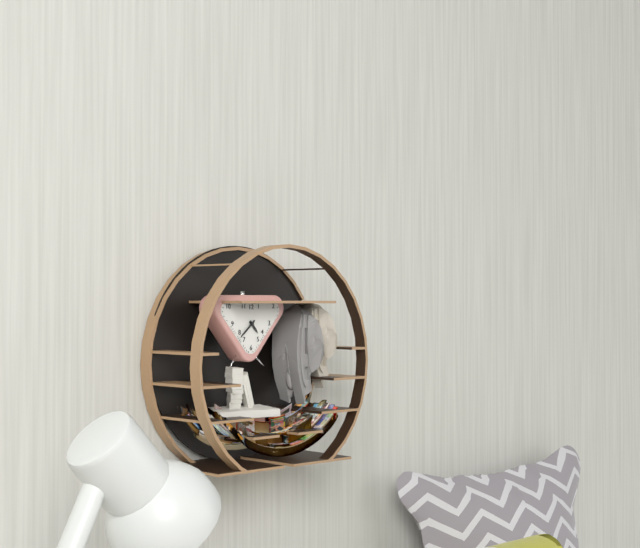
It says 4:38
